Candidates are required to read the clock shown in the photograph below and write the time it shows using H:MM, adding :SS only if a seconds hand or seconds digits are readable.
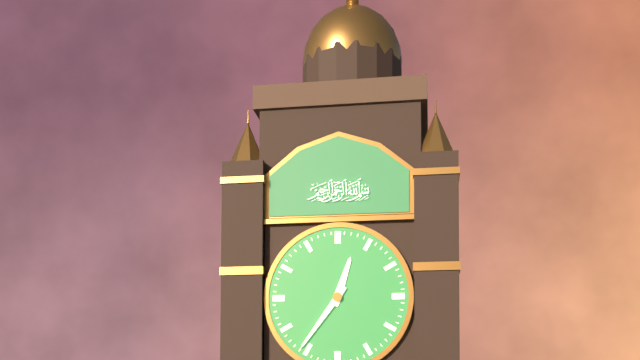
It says 12:36
